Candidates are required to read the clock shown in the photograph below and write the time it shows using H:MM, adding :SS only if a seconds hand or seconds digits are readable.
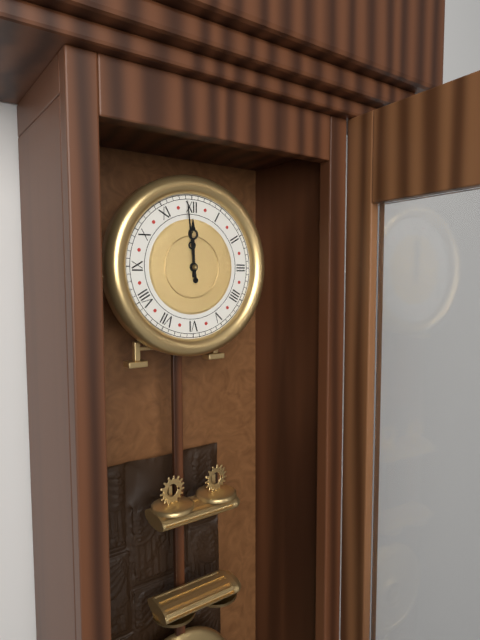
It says 11:59
